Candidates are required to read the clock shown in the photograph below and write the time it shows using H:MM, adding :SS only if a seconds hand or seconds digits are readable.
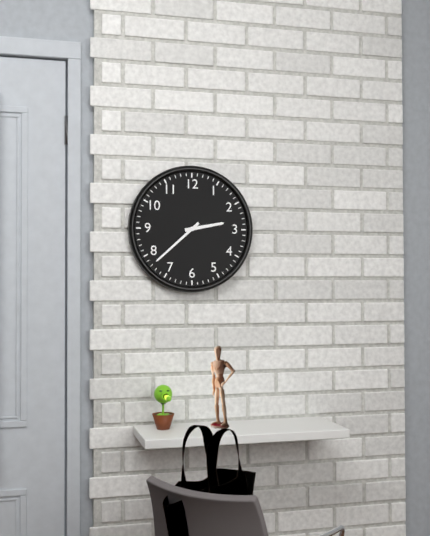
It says 2:38
